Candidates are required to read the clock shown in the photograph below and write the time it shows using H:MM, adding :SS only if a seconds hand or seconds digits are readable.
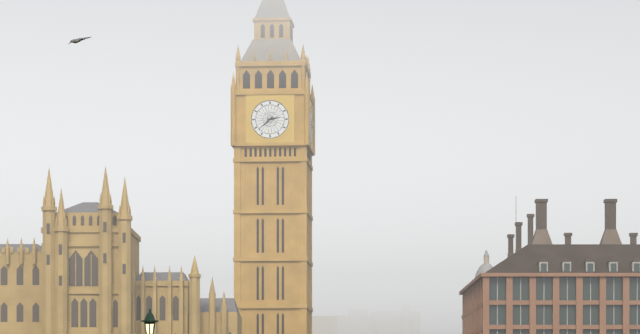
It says 2:38
